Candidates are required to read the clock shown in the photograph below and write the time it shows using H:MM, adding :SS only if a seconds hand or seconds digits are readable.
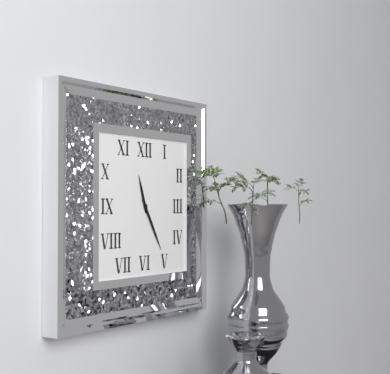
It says 11:25
